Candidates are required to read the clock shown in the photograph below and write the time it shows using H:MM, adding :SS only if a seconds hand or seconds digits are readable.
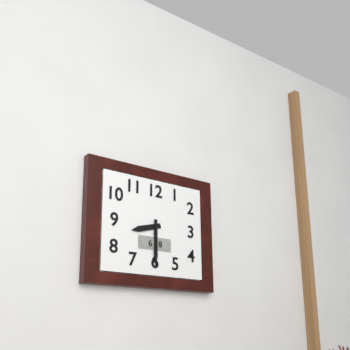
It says 8:30
